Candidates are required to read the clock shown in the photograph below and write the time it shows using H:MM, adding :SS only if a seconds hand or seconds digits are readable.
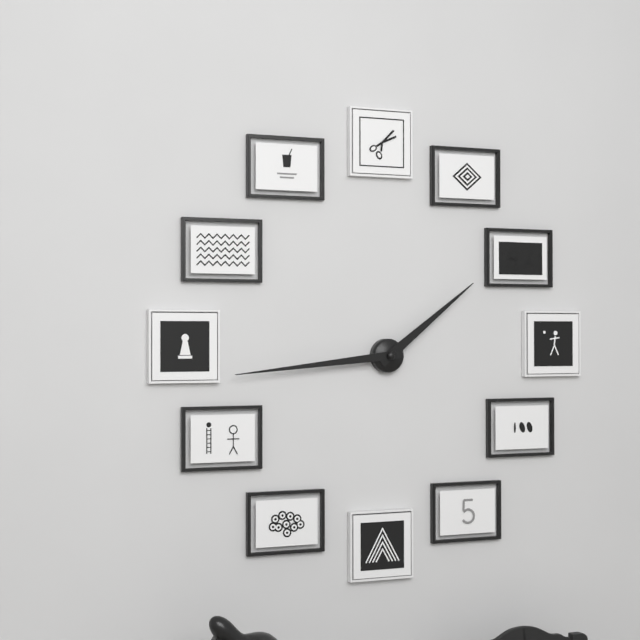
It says 1:44
